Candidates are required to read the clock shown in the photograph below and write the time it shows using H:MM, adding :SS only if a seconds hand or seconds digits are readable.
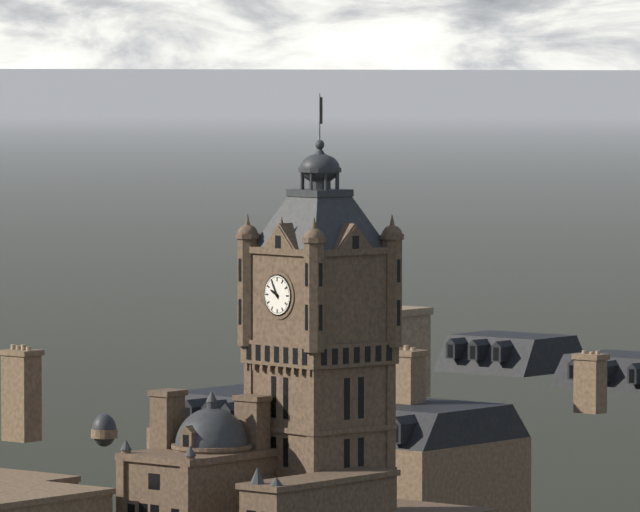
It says 9:55
